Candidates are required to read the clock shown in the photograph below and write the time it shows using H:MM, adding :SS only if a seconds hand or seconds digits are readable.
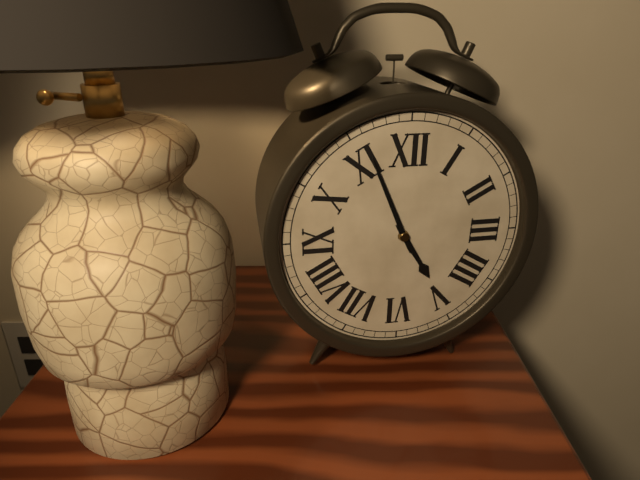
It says 4:56
